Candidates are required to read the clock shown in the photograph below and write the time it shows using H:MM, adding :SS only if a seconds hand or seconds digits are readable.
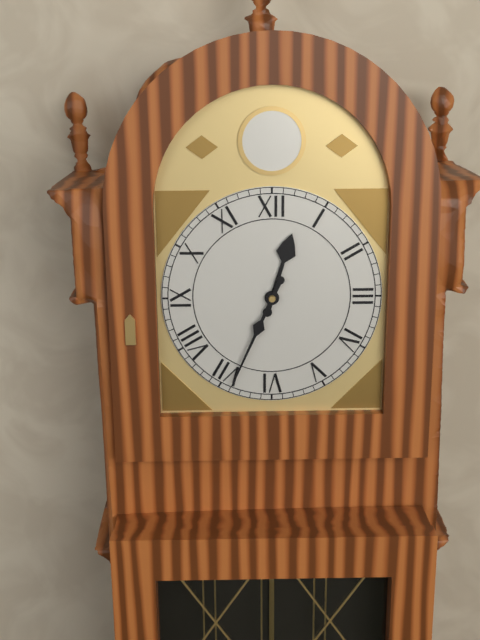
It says 12:34
